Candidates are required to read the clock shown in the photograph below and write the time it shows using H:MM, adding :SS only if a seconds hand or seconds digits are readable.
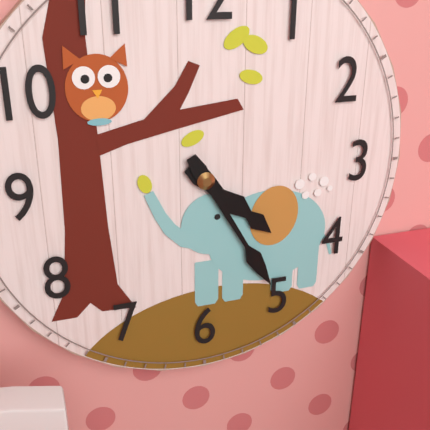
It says 4:25
